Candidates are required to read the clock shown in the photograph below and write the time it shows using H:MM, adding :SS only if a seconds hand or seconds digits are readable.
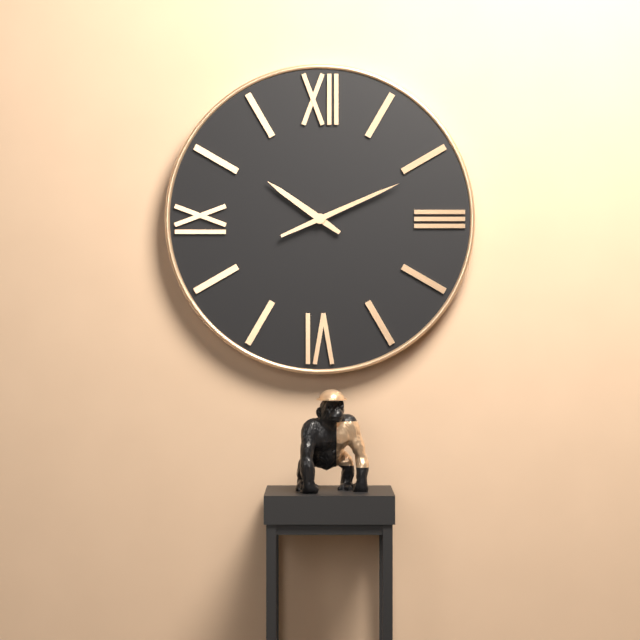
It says 10:11
